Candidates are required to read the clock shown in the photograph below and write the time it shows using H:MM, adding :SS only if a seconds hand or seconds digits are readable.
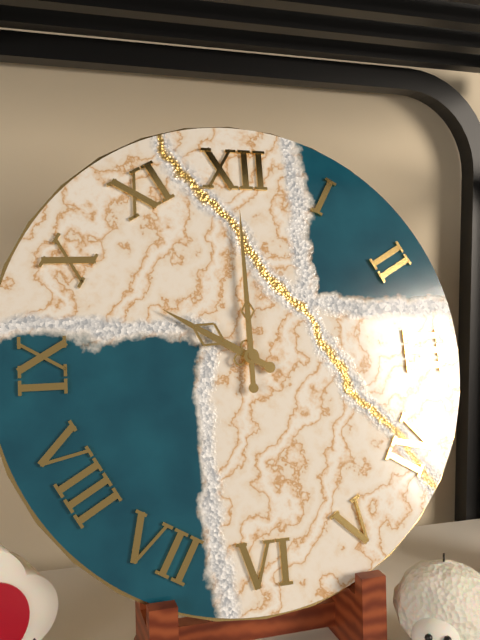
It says 10:00
